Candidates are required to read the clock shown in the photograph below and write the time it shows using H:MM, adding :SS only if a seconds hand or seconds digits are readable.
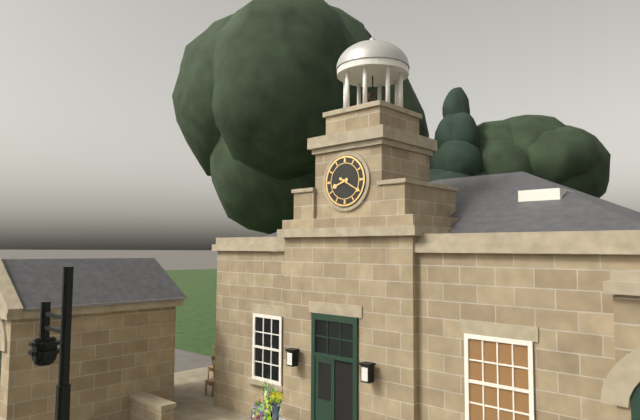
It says 8:20
